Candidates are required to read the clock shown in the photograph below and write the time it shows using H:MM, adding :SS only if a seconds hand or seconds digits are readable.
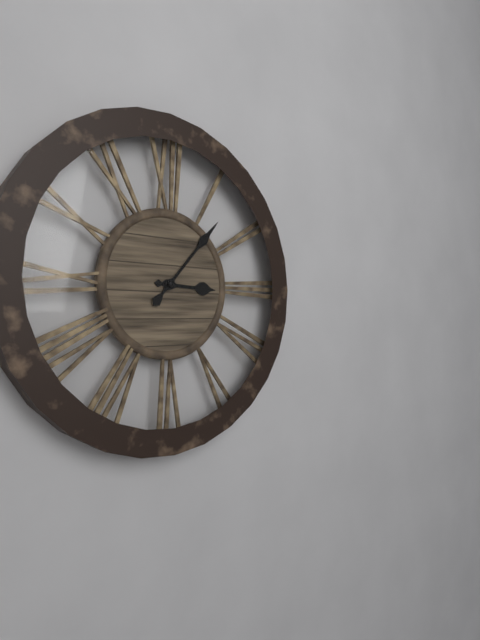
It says 3:07
